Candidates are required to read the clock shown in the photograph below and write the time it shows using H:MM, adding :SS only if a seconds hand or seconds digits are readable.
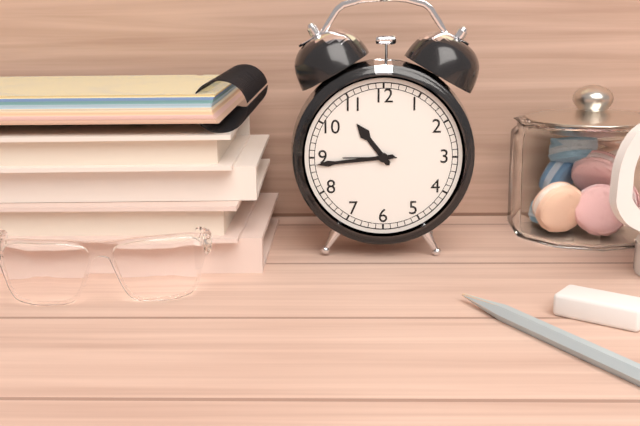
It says 10:44:45
